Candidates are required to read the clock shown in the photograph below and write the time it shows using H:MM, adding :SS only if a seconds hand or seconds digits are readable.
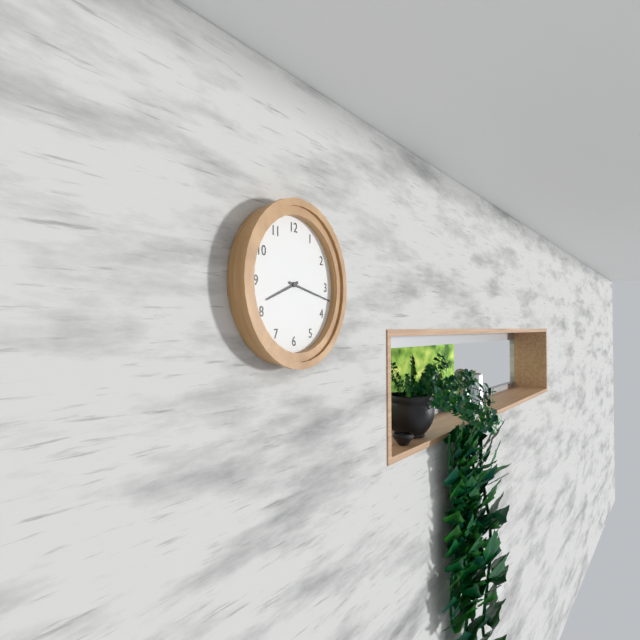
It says 8:17
